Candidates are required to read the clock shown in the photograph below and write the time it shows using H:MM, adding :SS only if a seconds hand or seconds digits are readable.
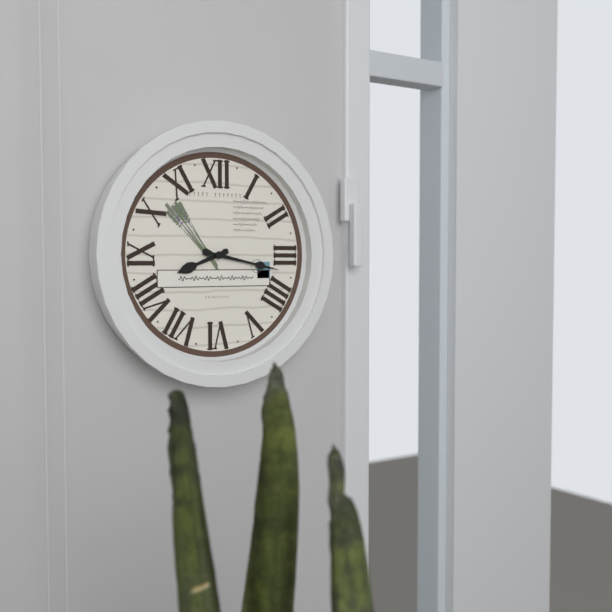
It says 8:17
